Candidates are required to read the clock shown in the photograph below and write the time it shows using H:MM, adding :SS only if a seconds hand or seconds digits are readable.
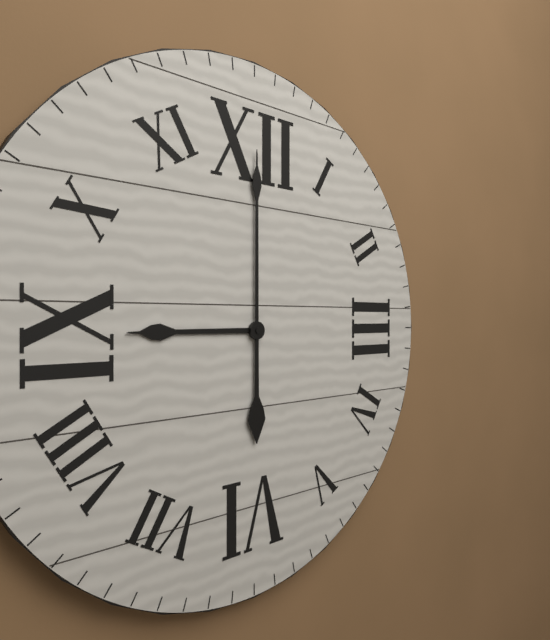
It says 9:00
